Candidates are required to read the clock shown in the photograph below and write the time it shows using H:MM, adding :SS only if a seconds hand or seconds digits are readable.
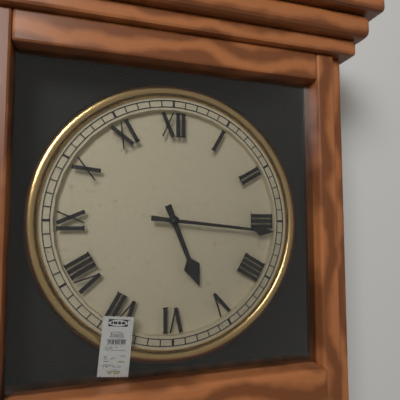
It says 5:16
